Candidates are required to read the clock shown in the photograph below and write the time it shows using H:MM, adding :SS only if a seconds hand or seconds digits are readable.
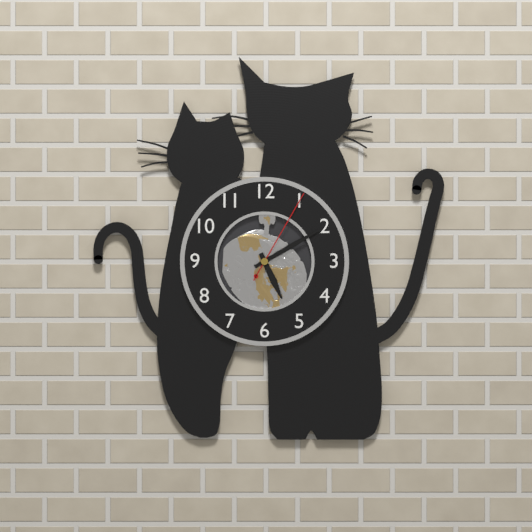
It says 5:10:05
